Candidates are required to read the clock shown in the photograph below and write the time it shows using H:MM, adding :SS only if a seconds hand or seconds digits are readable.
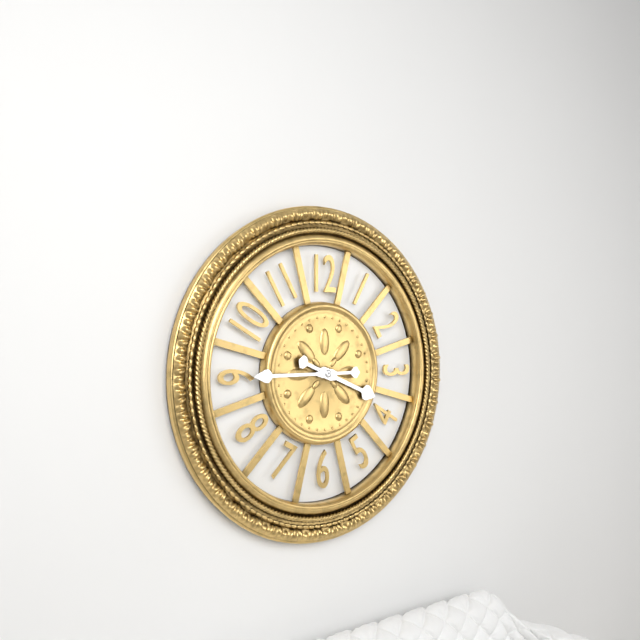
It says 3:45
